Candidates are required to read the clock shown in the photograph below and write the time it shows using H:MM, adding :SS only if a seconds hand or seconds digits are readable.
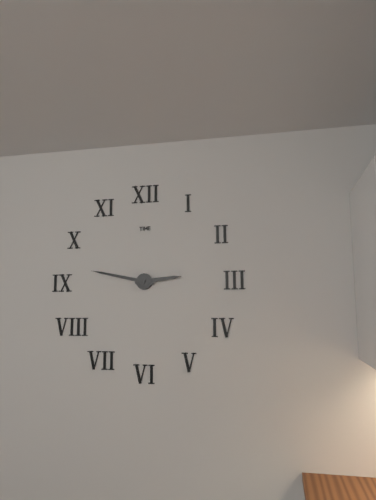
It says 2:47
